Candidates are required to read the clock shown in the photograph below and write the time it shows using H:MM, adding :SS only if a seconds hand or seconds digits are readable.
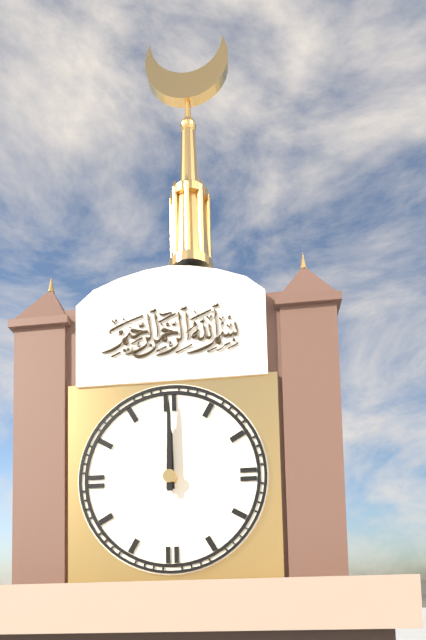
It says 12:00
